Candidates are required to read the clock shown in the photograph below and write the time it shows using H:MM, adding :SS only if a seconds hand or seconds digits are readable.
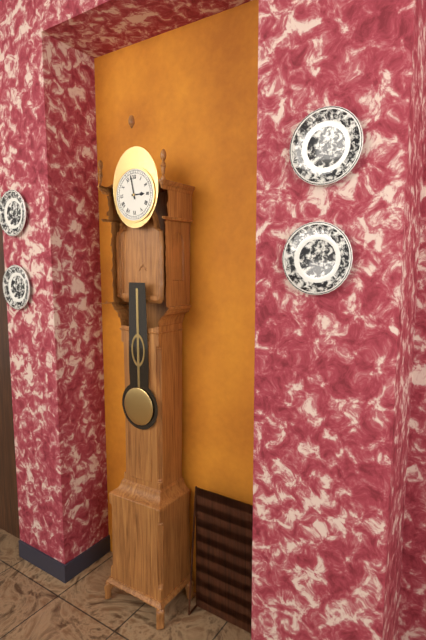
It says 2:58
